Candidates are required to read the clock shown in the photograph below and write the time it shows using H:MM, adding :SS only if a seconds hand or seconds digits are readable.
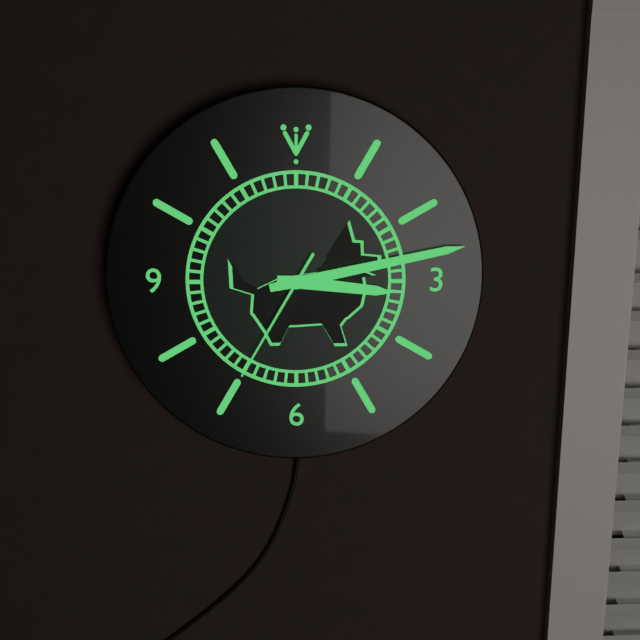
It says 3:13:35
